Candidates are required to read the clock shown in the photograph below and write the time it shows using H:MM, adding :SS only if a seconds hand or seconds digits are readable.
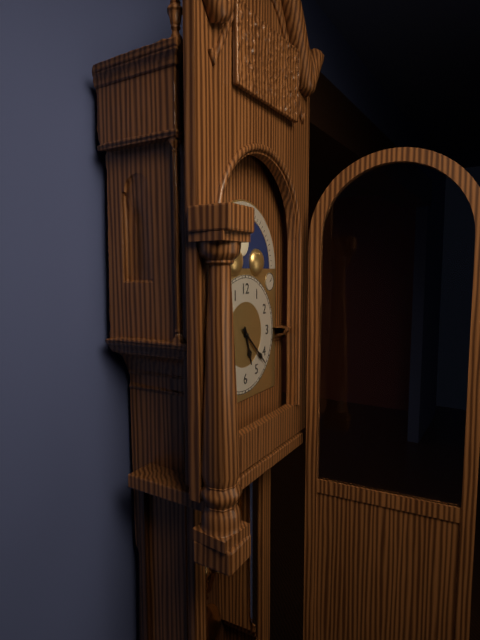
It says 5:22
